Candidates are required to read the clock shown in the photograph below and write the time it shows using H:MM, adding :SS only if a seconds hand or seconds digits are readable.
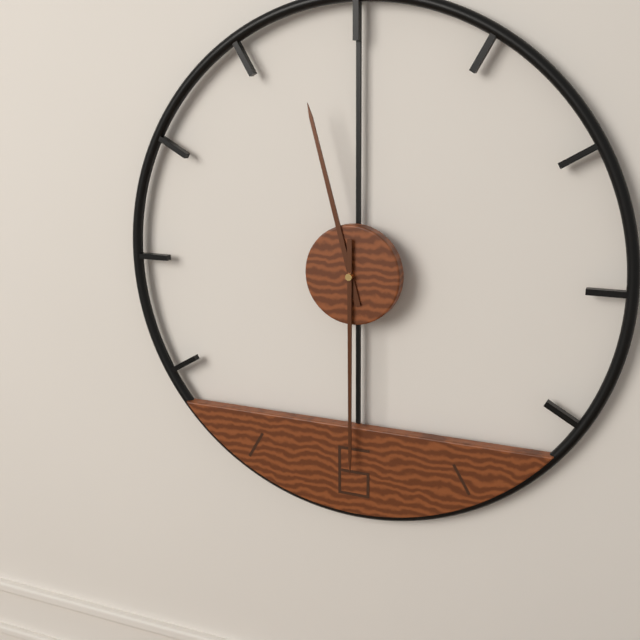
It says 11:30
